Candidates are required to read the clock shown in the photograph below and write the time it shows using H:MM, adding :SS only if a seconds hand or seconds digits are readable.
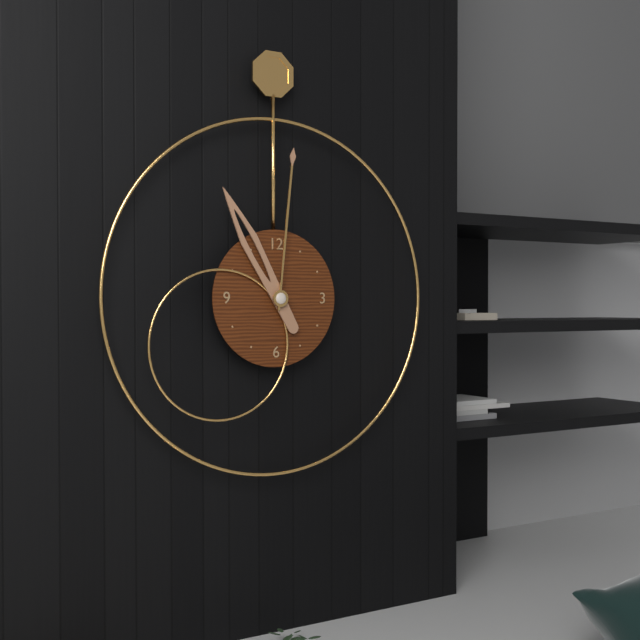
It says 11:01
